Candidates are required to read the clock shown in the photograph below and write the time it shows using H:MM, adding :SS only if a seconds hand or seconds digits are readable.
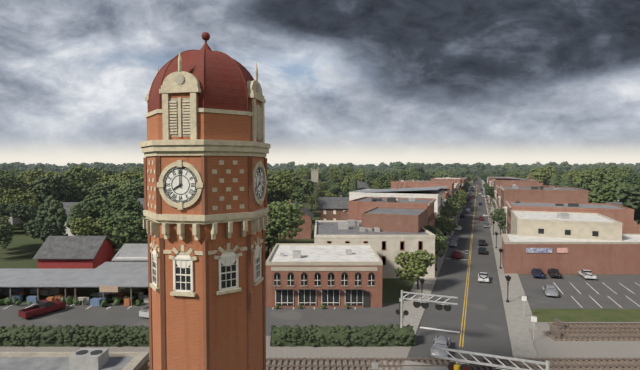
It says 8:00
